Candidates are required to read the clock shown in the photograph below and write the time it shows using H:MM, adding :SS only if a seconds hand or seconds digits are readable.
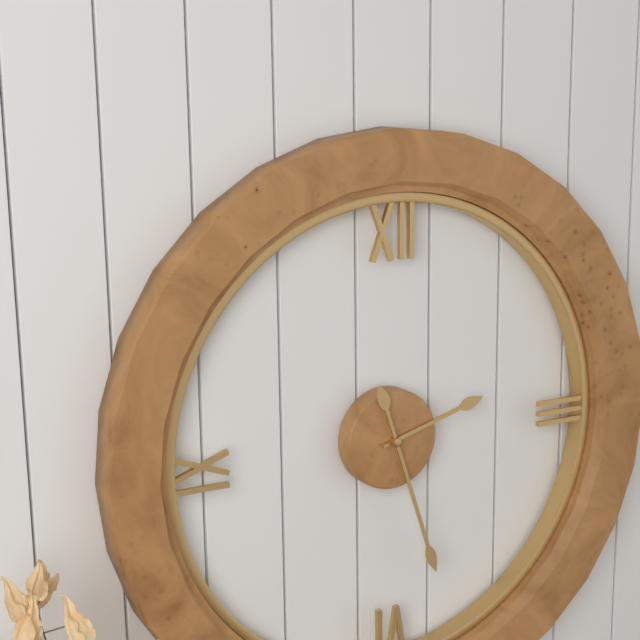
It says 2:27
